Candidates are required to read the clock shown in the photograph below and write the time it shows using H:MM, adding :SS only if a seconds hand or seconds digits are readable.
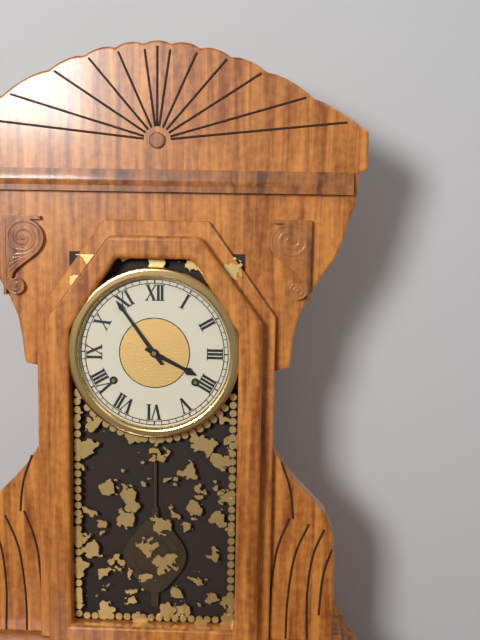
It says 3:54
